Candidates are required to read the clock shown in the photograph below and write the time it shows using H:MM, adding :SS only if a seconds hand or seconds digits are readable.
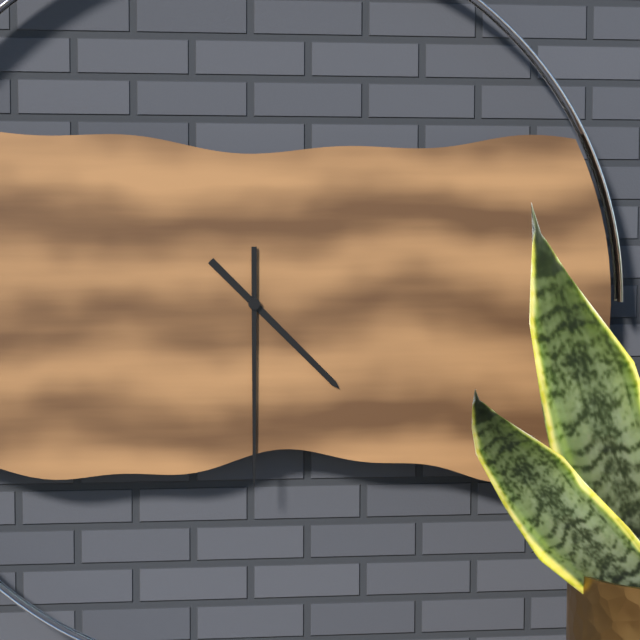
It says 4:30
